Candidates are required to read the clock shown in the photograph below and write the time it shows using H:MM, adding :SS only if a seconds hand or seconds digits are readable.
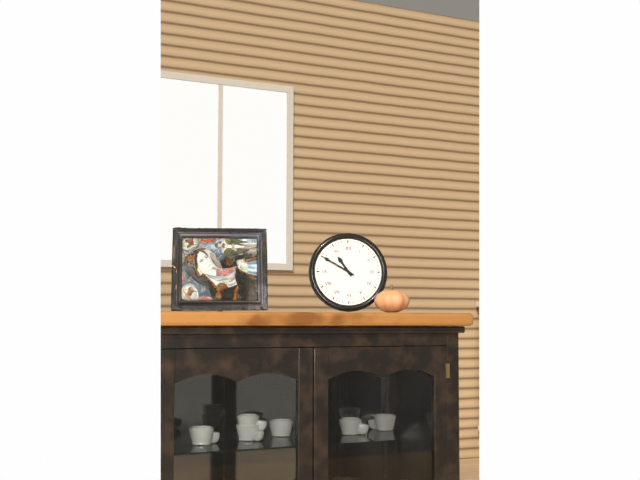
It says 10:50
